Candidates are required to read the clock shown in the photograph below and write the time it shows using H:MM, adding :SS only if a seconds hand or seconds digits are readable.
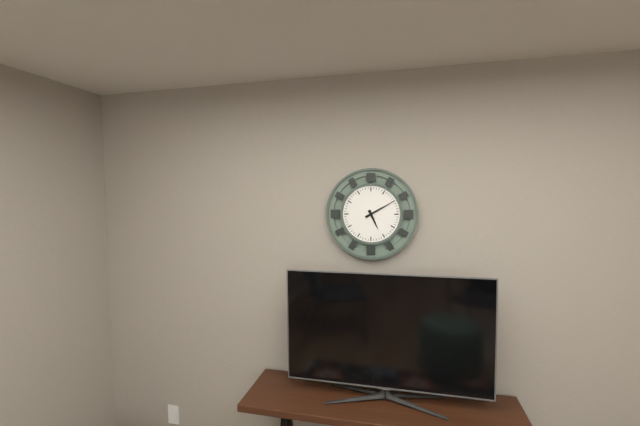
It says 5:10
